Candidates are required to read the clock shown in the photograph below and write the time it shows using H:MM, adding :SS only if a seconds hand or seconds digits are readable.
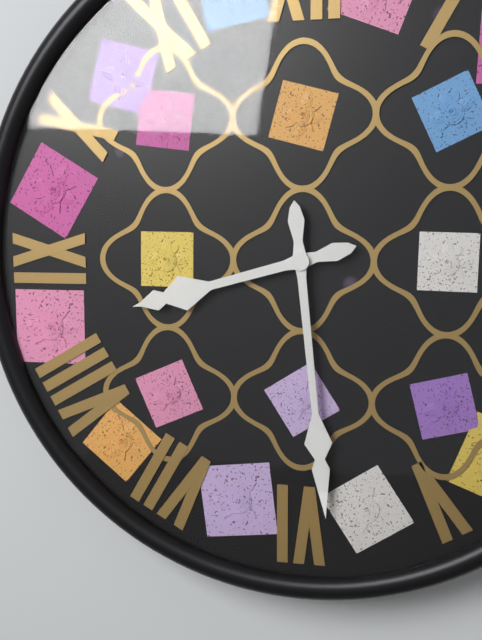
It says 8:29
